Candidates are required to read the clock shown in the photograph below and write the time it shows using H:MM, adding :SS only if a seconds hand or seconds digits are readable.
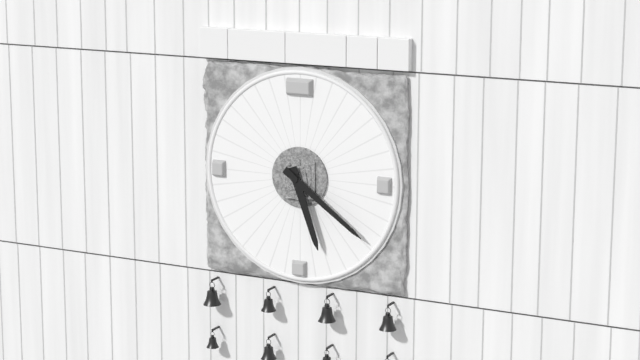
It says 5:21
